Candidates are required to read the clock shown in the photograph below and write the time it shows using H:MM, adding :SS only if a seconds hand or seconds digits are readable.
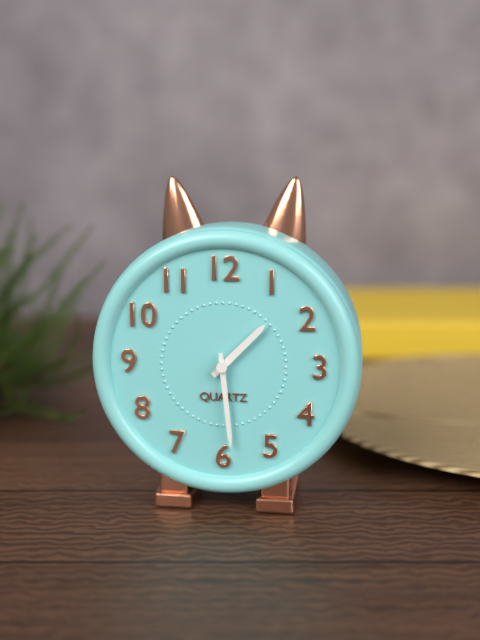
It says 1:29
